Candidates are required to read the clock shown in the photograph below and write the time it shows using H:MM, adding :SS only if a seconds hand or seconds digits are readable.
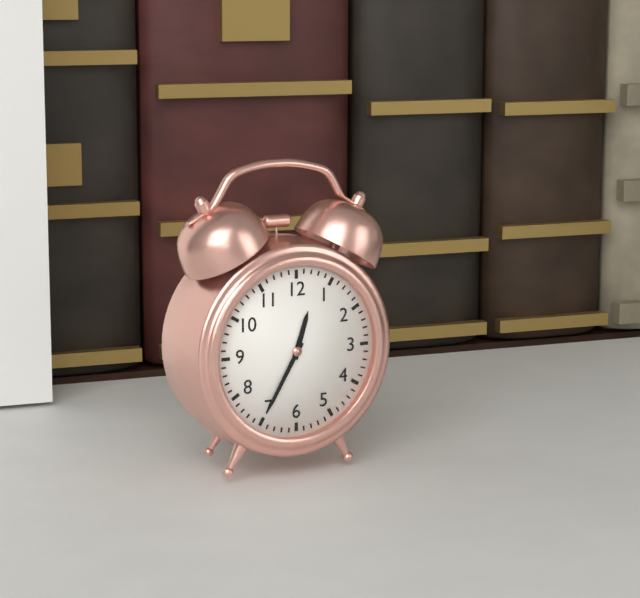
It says 12:35
